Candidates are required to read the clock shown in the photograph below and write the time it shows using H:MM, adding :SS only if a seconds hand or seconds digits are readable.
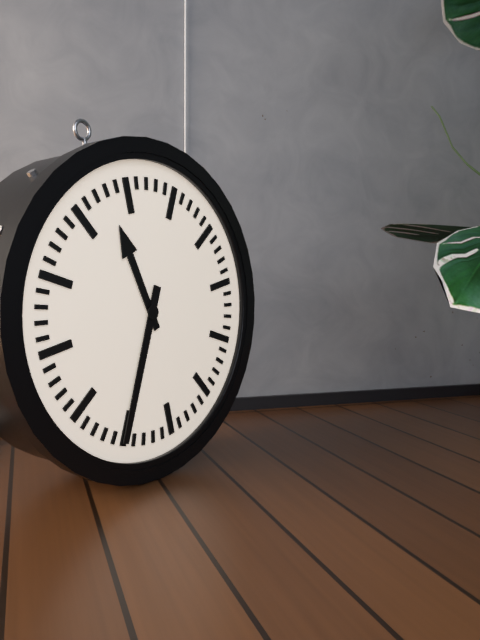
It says 11:35
